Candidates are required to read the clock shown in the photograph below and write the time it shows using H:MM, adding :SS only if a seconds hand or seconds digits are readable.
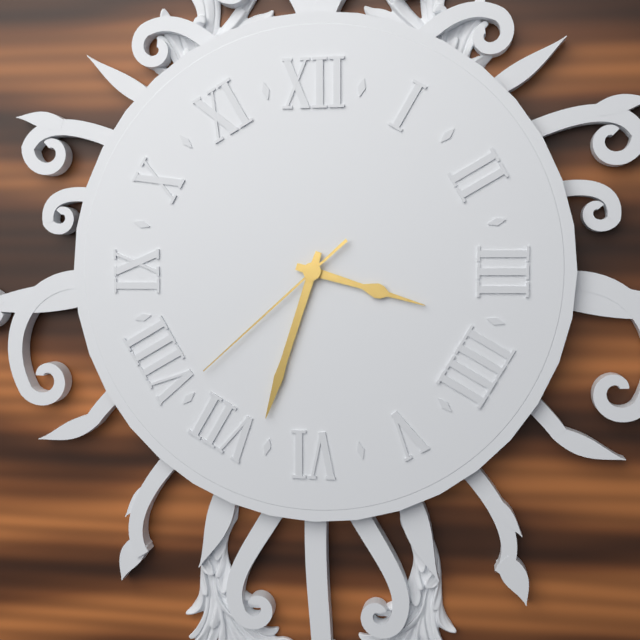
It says 3:33:38
